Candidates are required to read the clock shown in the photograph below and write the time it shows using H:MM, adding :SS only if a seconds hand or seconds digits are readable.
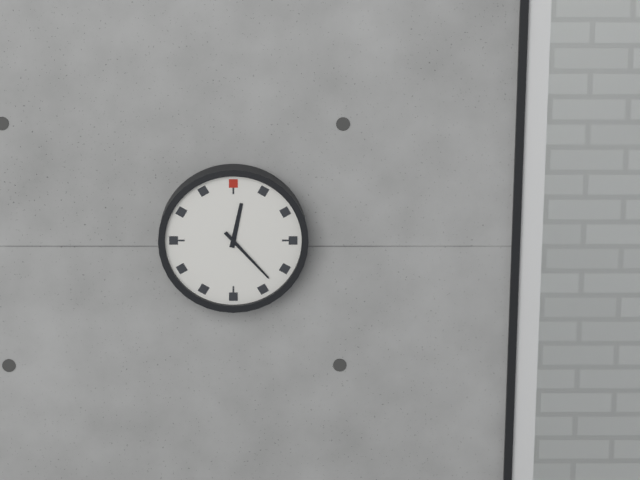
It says 12:23
